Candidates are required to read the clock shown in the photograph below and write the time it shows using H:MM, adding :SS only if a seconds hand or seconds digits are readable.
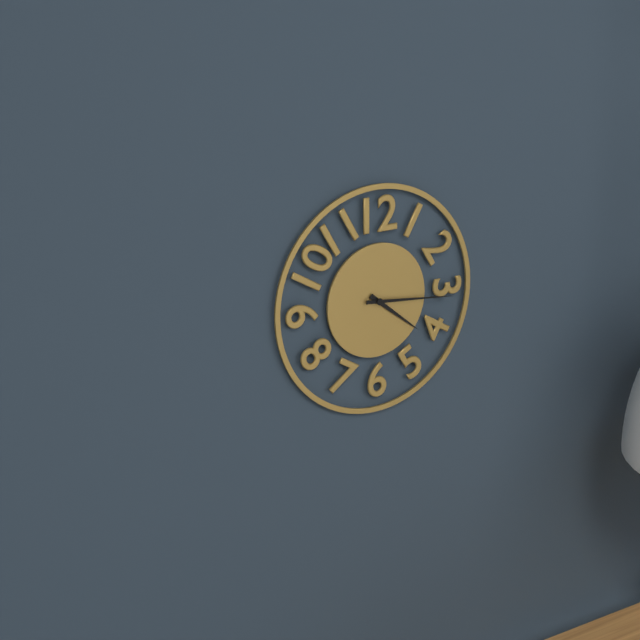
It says 4:16
